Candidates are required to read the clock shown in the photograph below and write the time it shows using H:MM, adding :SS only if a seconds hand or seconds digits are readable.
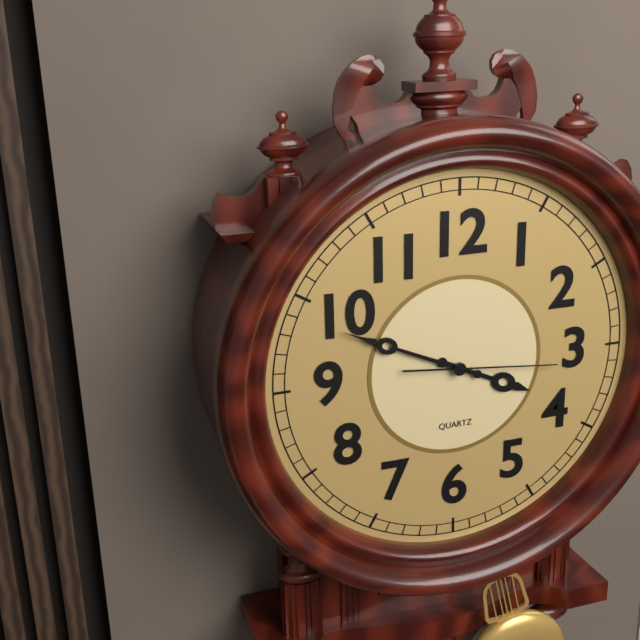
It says 3:49:16
